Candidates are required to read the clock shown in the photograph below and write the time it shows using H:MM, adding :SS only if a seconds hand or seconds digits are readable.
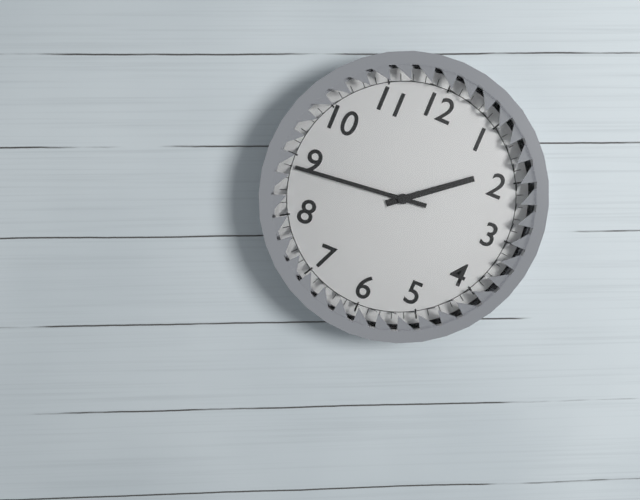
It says 1:44
